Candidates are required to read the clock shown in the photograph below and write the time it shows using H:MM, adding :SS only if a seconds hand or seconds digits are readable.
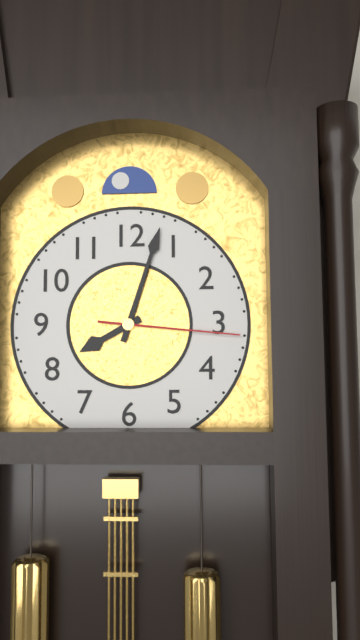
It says 8:03:16
